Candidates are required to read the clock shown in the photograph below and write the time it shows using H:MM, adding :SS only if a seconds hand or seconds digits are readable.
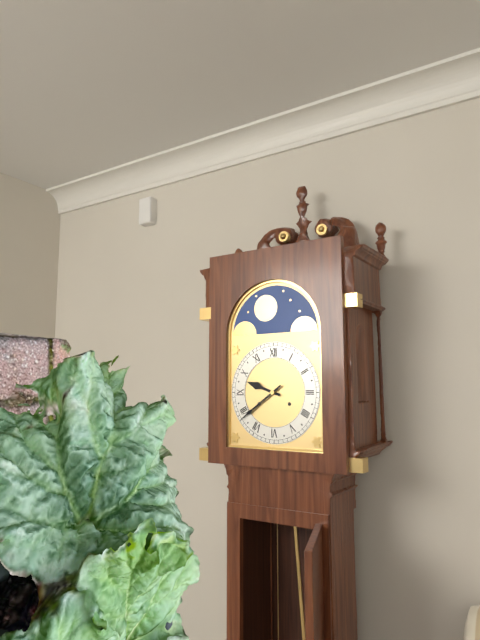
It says 9:39
